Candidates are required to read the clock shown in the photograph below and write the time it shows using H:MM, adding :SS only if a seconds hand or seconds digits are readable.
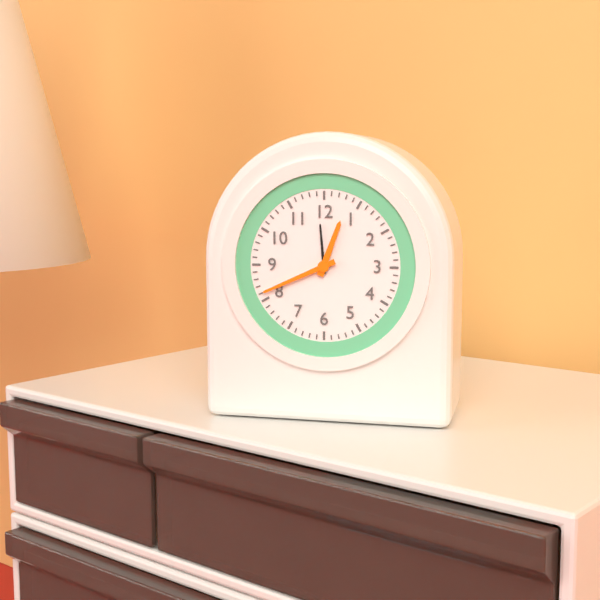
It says 12:41
